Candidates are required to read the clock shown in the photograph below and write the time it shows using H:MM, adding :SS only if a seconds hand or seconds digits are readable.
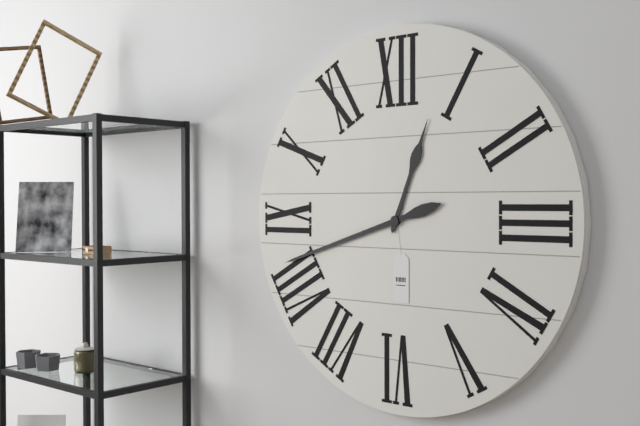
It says 12:42
